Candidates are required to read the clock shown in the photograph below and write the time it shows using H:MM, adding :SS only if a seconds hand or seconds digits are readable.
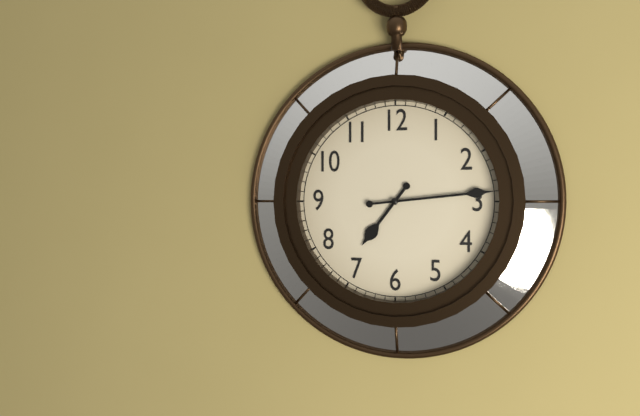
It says 7:14
